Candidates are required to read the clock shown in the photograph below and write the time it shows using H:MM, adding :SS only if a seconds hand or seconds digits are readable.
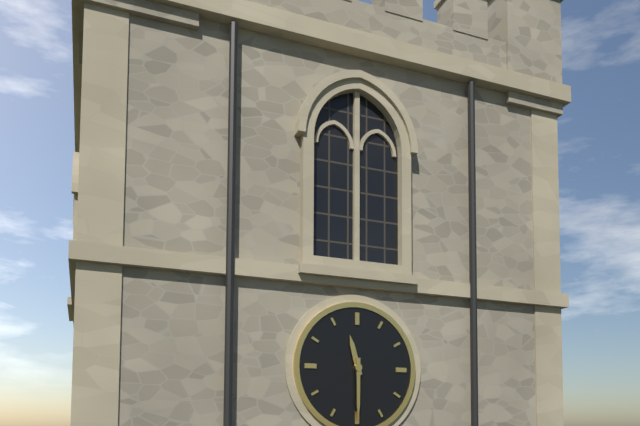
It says 11:30
